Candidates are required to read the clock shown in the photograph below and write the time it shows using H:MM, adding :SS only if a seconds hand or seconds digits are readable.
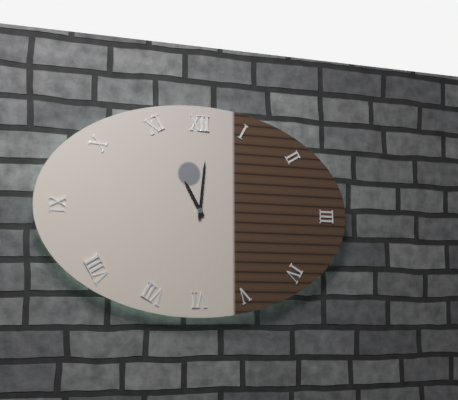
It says 11:01
